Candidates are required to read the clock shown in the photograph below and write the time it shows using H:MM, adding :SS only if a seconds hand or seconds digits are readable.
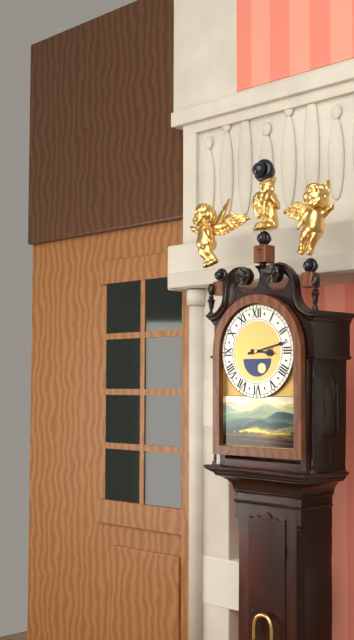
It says 3:13
